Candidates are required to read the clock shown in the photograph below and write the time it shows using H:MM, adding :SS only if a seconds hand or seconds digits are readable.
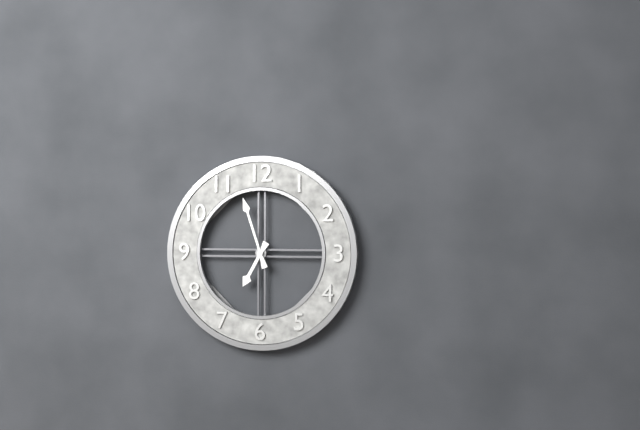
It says 6:57
